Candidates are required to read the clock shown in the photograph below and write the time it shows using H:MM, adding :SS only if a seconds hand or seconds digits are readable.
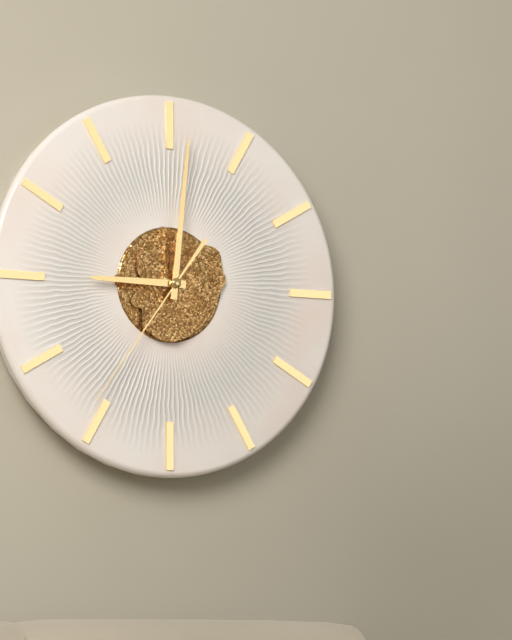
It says 9:01:36
